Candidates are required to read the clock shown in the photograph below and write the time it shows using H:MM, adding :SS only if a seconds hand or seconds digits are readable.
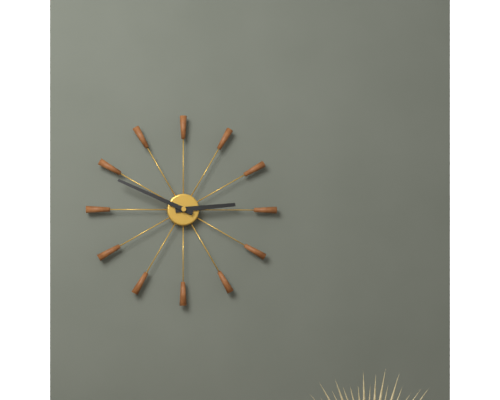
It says 2:49
